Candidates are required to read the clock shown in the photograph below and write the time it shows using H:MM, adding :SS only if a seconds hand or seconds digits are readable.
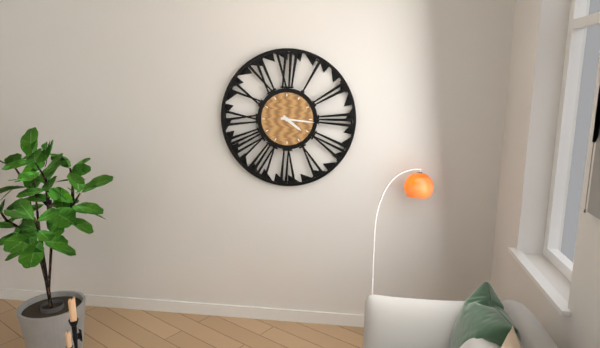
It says 4:16
